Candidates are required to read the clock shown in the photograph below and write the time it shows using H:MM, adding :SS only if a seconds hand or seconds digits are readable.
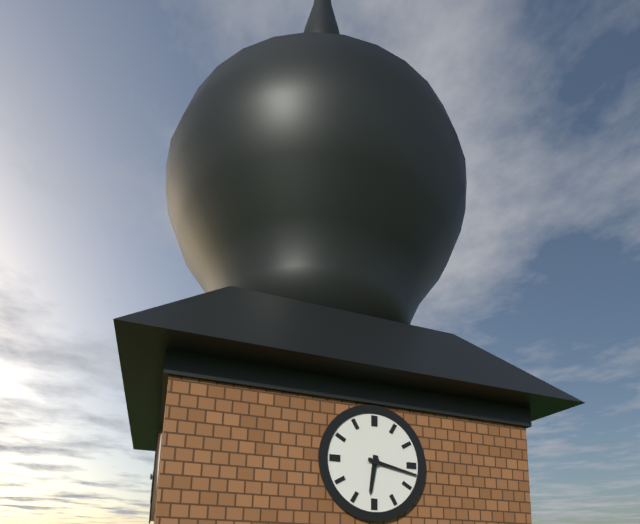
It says 6:17
